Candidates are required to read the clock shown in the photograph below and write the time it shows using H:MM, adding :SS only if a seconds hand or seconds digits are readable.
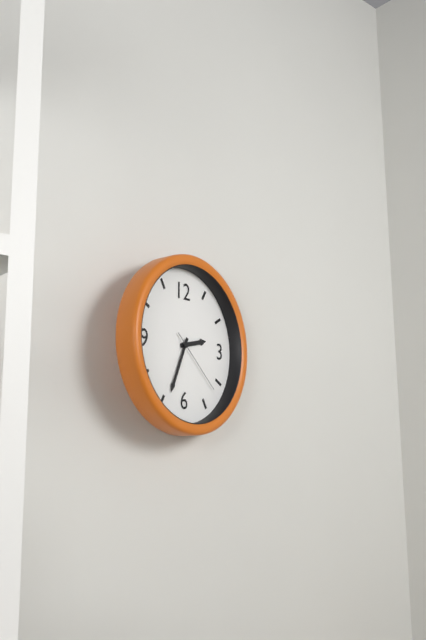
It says 2:34:22
